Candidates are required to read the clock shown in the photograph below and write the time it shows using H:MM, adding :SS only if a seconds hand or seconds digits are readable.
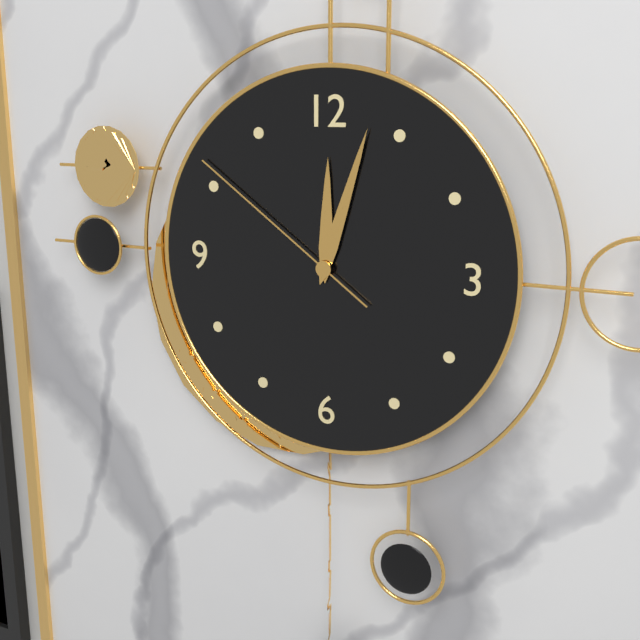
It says 12:03:51
